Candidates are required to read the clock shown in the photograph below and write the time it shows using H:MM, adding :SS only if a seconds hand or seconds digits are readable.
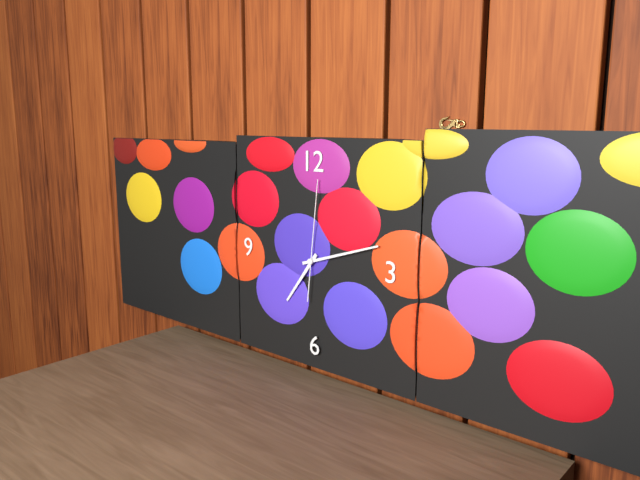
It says 7:12:01
